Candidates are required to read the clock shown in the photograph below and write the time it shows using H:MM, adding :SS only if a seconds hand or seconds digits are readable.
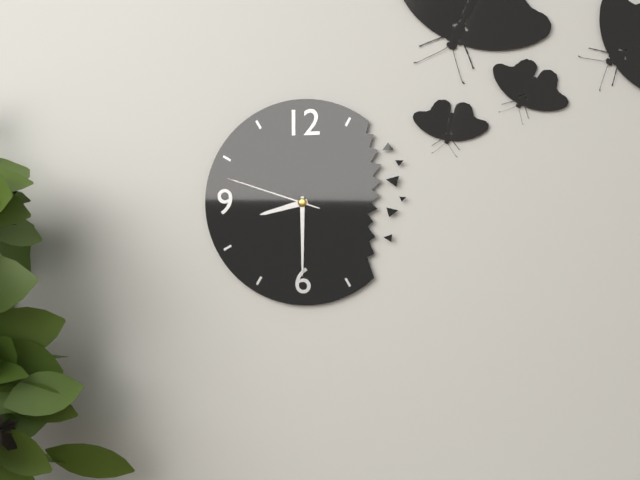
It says 8:30:48
